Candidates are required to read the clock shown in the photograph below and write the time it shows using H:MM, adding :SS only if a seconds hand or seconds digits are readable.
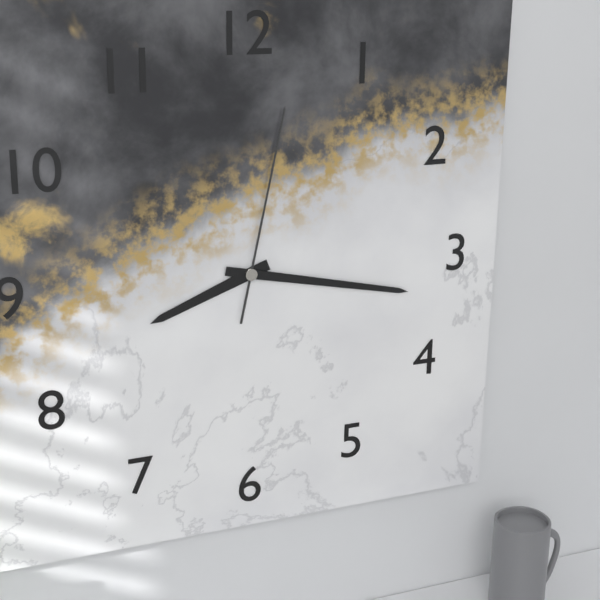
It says 8:17:02
